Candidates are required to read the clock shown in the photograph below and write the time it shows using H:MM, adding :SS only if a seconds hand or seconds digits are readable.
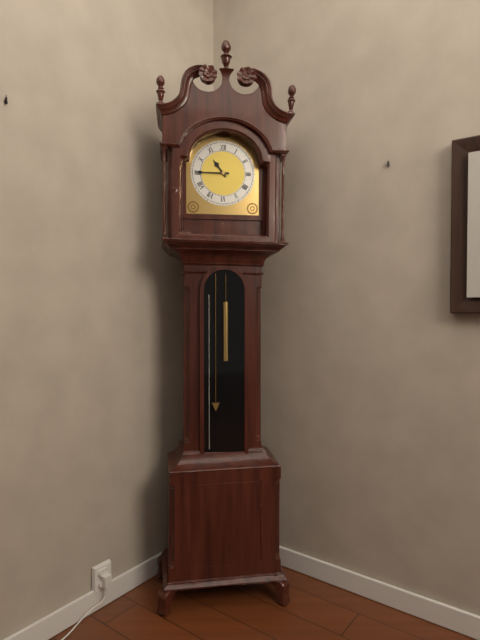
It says 10:45
